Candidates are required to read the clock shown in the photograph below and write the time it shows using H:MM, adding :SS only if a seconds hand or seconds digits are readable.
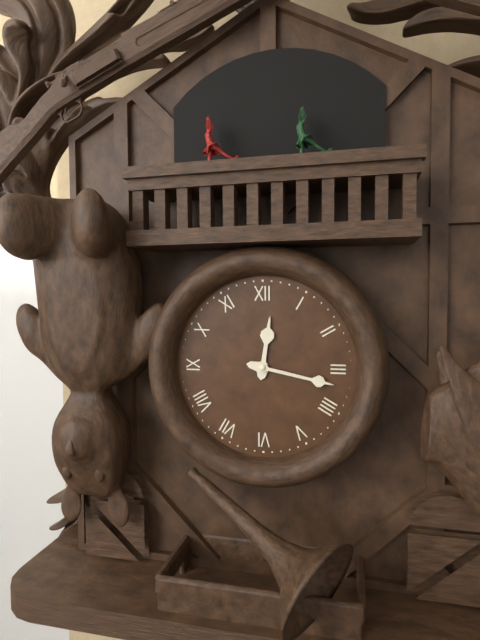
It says 12:17
